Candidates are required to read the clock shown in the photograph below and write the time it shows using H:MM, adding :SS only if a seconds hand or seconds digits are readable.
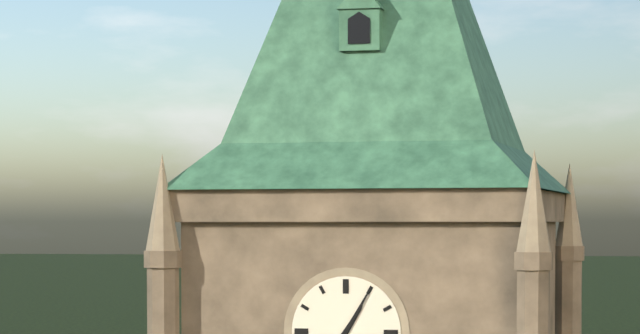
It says 1:05
